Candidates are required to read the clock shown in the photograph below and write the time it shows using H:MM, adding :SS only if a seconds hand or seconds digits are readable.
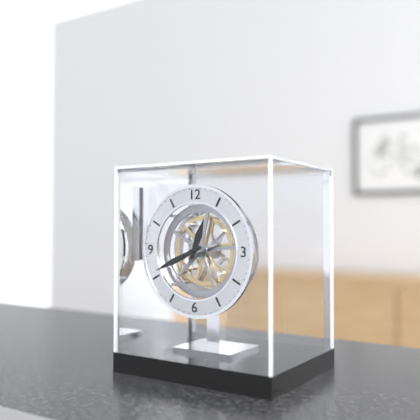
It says 12:41
